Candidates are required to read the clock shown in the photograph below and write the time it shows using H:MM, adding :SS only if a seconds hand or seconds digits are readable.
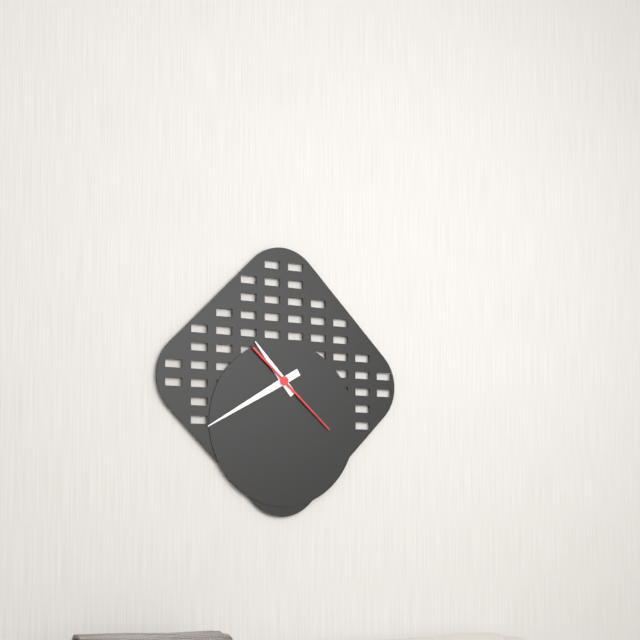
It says 10:40:22
